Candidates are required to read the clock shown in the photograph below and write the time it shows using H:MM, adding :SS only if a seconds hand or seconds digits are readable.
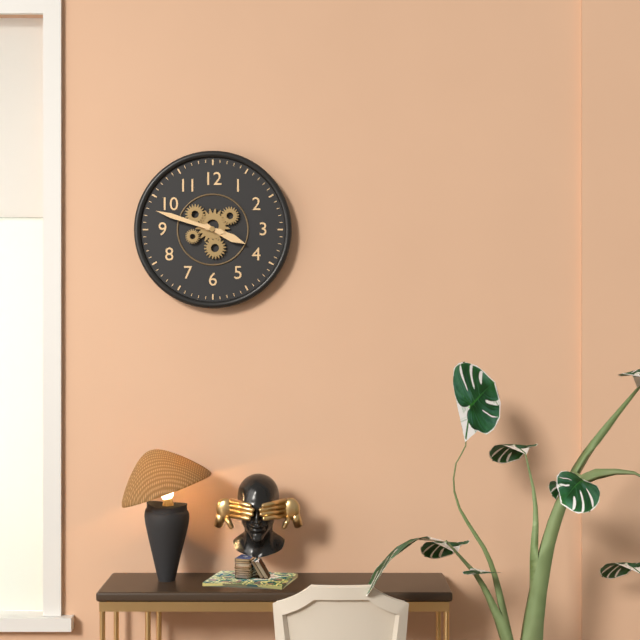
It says 3:48
